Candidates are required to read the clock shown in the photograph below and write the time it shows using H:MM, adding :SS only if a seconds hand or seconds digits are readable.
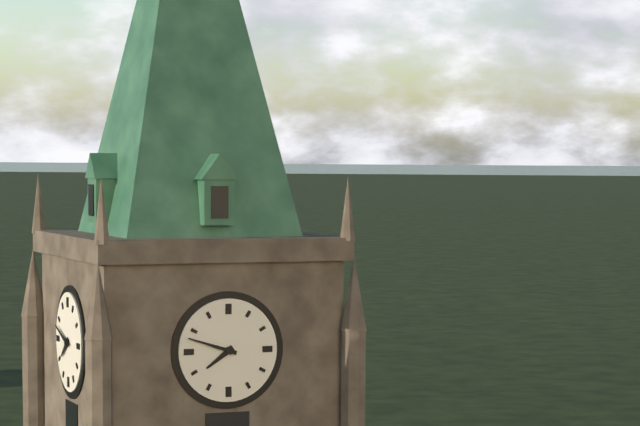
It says 7:48
